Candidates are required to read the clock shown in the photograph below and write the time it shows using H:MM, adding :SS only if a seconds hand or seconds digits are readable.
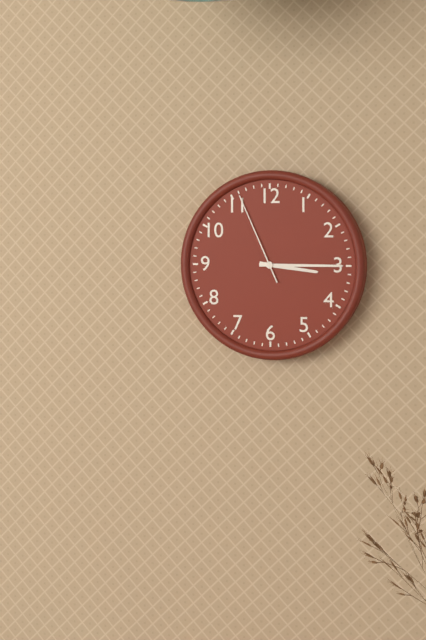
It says 3:15:56
